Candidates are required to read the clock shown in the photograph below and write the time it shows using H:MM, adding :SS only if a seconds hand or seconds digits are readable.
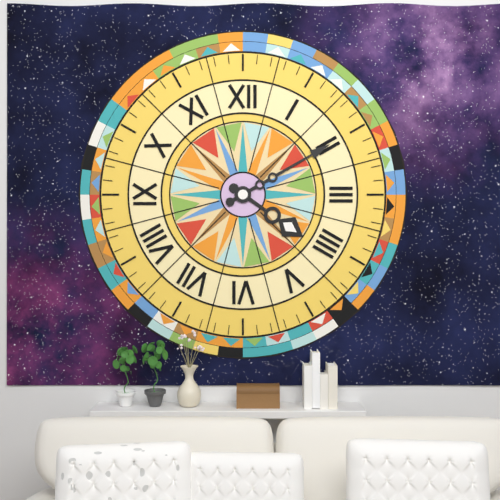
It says 4:10
